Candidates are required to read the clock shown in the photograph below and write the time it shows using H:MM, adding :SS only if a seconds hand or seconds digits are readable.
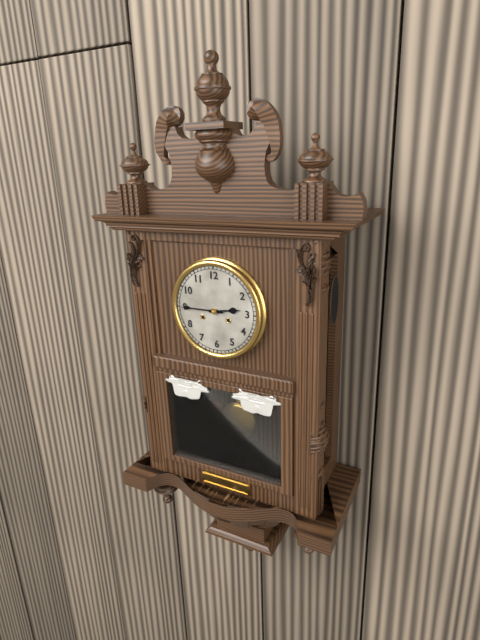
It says 2:45
